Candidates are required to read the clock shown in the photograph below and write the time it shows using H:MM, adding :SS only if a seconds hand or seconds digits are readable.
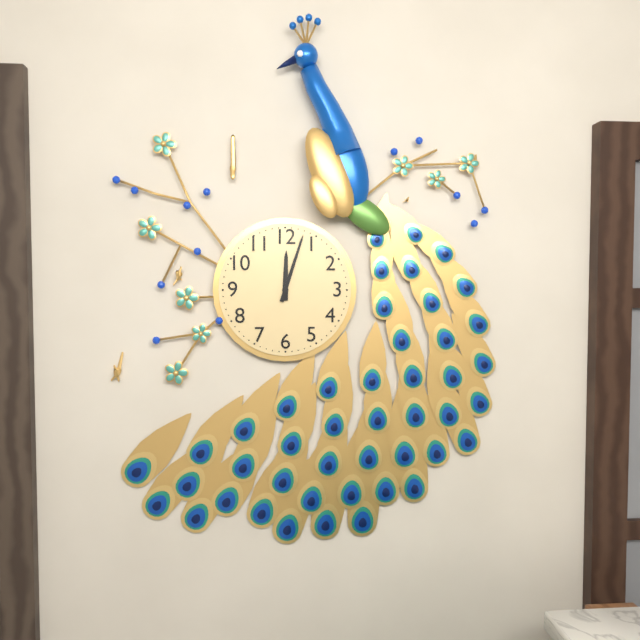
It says 12:03
